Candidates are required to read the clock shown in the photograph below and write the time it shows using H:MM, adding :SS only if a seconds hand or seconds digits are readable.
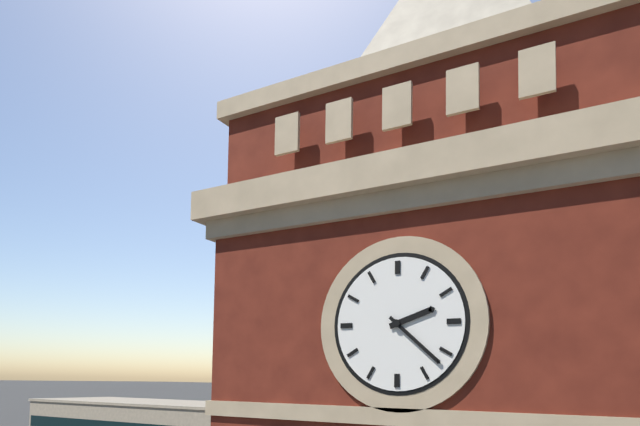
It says 2:22
